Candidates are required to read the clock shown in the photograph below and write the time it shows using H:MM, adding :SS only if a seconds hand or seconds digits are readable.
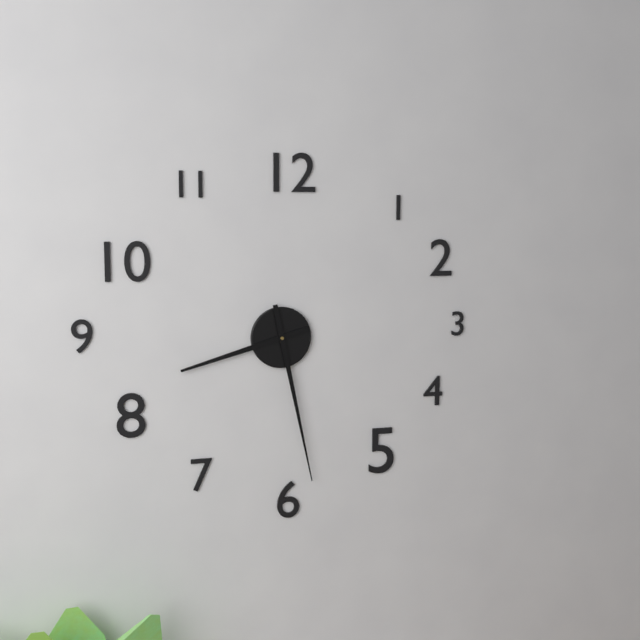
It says 8:28
